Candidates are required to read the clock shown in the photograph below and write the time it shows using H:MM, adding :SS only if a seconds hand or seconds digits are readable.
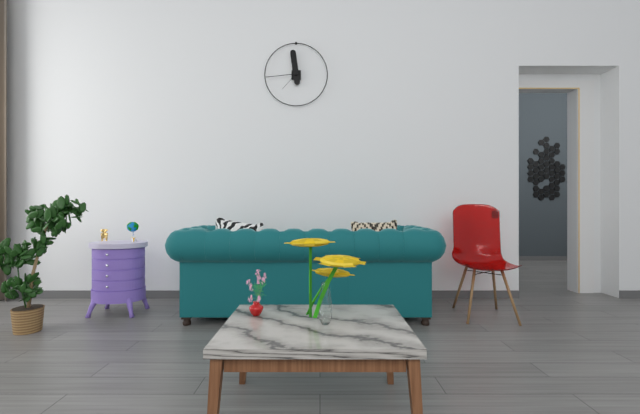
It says 11:44
